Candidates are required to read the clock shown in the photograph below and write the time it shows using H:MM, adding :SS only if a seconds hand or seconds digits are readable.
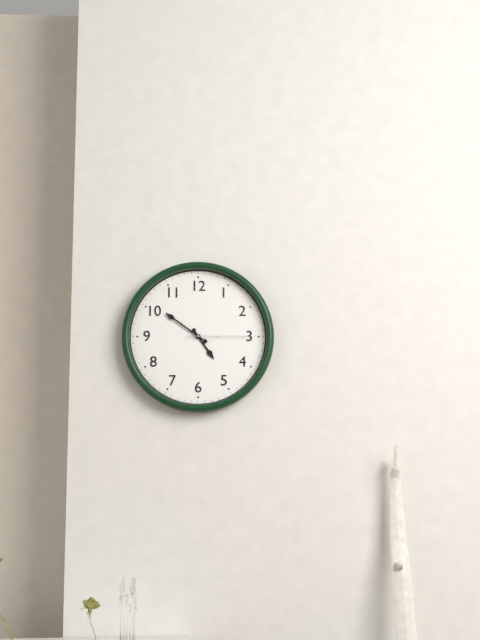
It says 4:51:15
